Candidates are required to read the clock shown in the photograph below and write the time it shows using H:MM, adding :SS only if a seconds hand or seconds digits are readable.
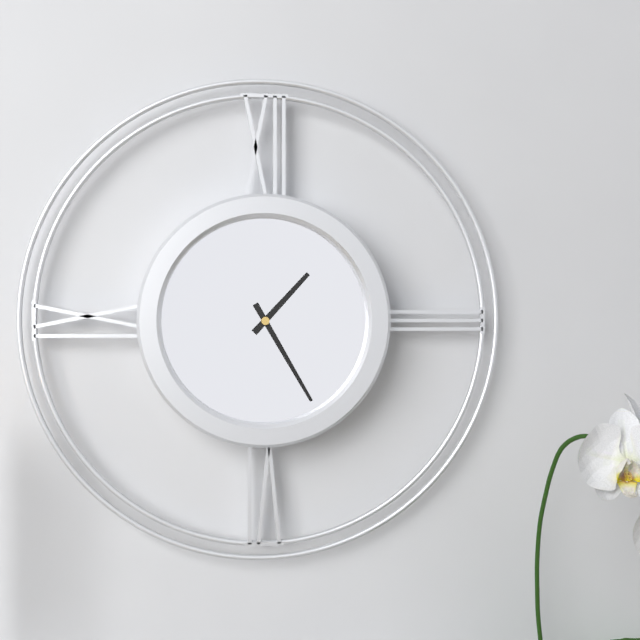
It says 1:25
